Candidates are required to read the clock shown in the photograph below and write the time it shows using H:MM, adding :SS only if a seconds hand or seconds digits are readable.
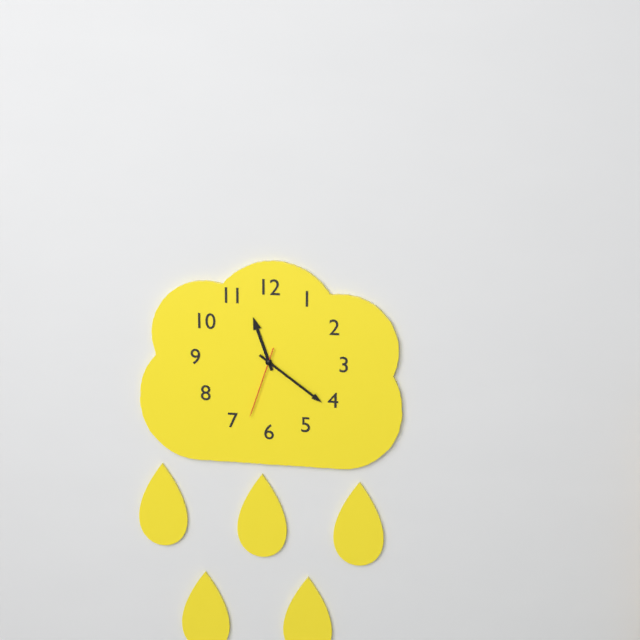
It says 11:21:33
